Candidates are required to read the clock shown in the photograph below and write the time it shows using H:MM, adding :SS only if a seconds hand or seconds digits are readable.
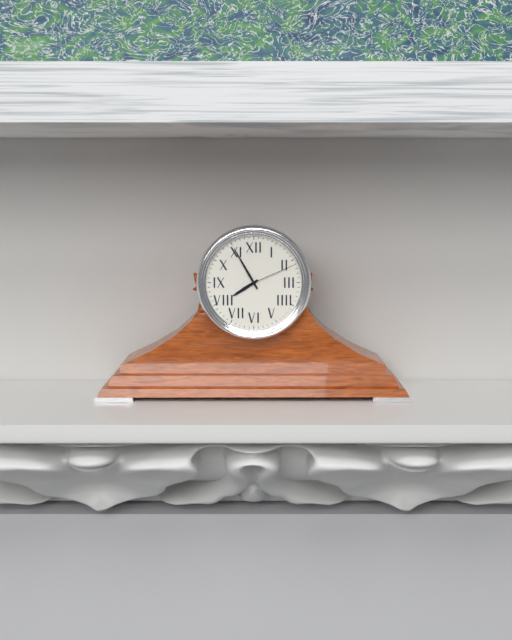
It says 7:55:11
